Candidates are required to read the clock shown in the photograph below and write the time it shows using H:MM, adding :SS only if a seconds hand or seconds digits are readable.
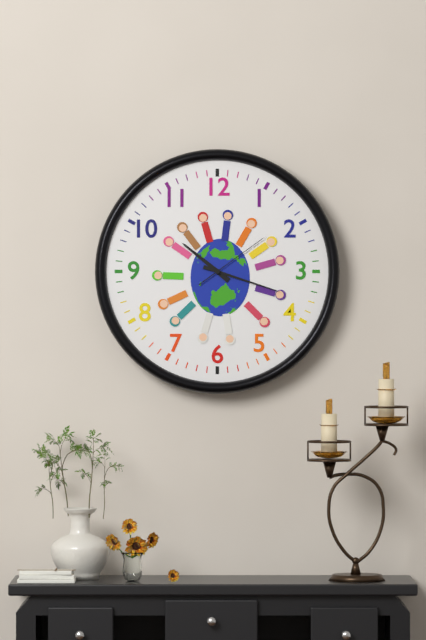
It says 10:18:09
